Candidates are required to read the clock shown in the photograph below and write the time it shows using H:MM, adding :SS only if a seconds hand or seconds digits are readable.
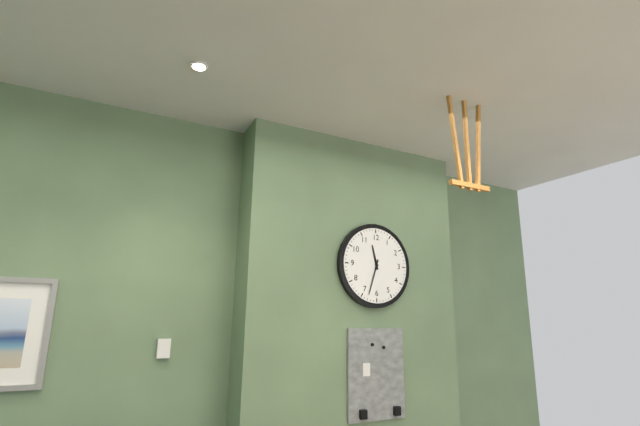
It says 11:33
